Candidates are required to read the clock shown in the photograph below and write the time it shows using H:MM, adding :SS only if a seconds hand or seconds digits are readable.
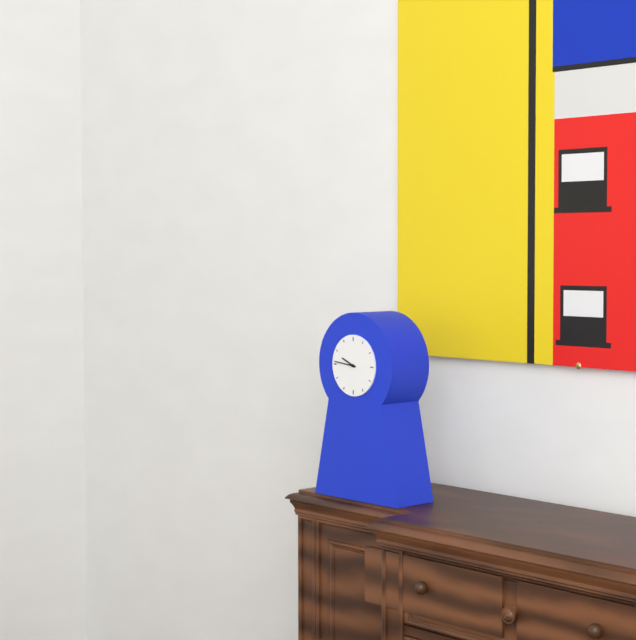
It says 9:46
